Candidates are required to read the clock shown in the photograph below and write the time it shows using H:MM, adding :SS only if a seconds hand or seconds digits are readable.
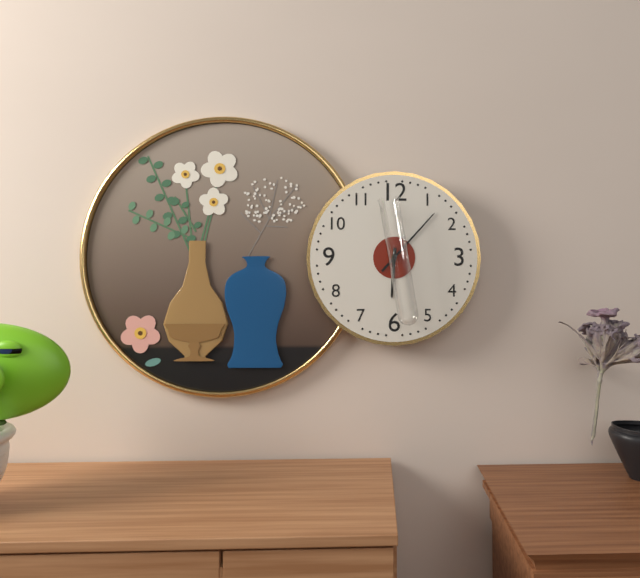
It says 6:07
